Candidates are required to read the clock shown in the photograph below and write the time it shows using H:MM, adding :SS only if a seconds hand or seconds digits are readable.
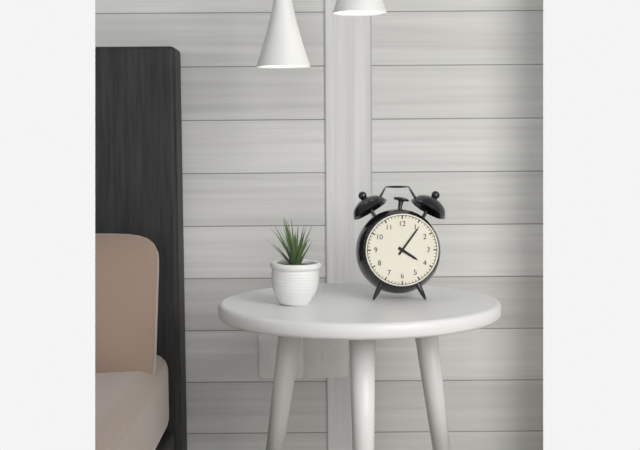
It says 4:06
